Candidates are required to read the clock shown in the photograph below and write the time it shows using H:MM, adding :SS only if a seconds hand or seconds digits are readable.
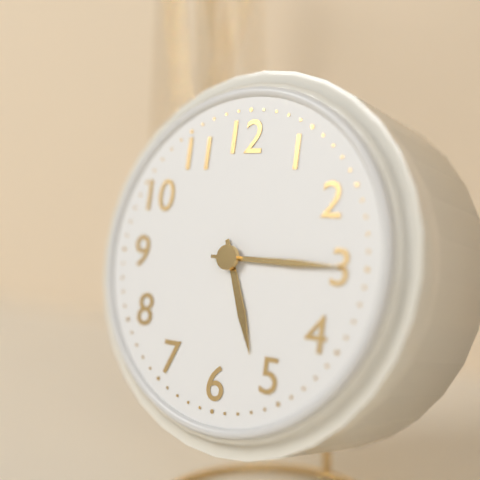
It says 5:15
